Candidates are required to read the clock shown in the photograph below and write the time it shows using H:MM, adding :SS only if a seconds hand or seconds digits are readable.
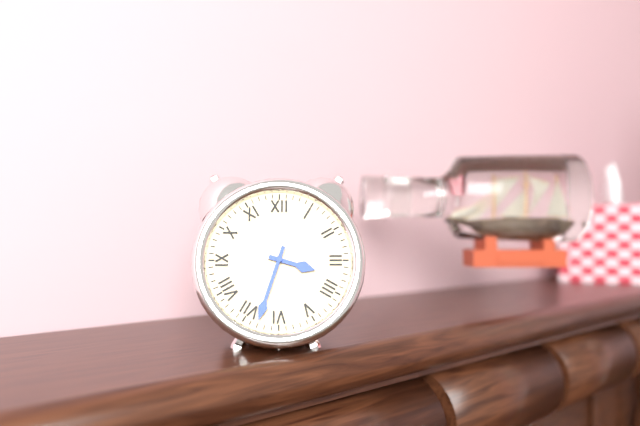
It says 3:33
